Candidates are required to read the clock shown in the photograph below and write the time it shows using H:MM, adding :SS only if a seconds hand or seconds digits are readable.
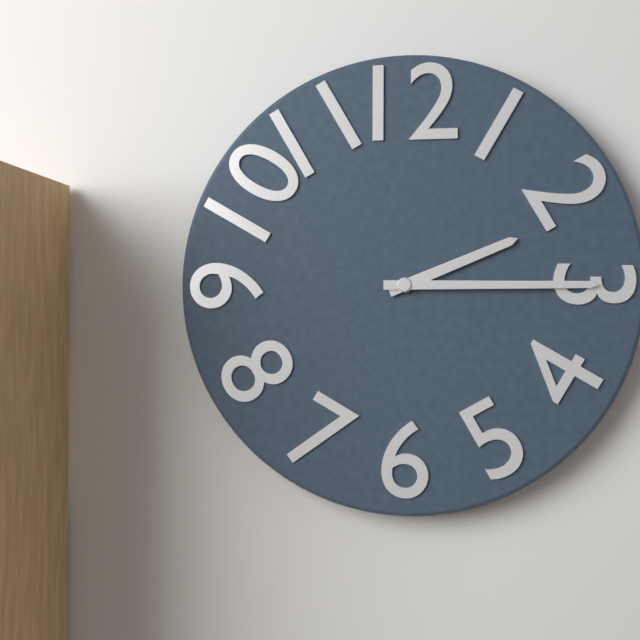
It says 2:15
